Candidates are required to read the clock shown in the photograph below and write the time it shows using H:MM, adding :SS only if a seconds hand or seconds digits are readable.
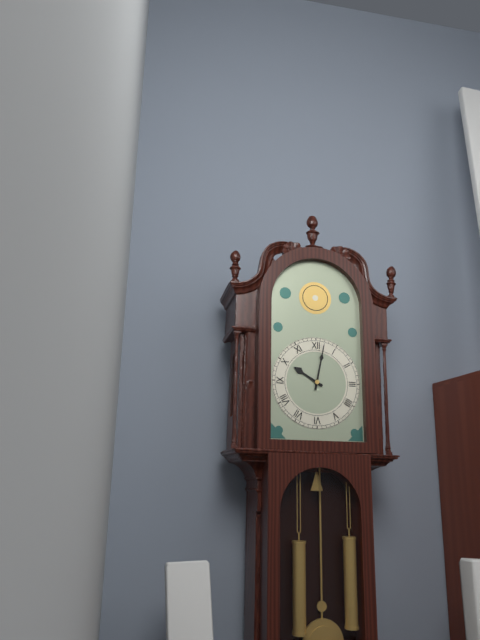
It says 10:02
